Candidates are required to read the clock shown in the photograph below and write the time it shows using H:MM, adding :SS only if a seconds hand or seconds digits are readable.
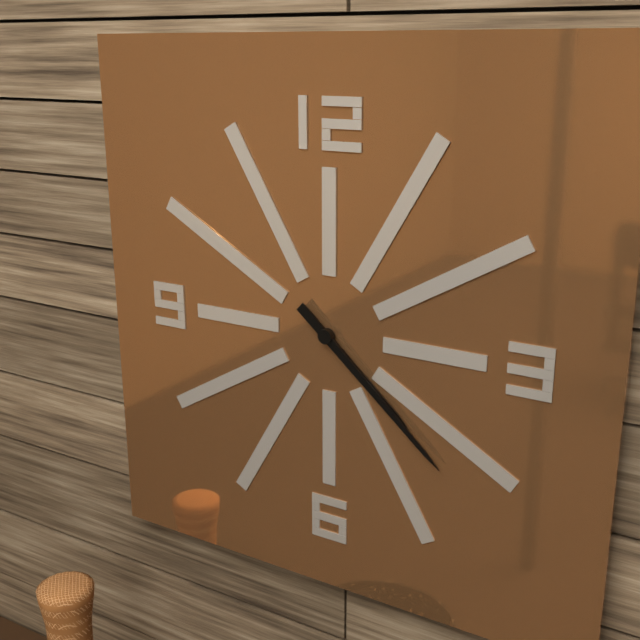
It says 4:22
